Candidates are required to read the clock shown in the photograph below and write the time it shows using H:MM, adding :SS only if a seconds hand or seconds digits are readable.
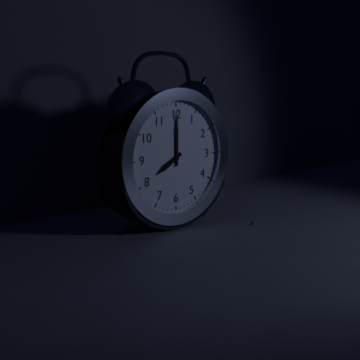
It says 8:00
